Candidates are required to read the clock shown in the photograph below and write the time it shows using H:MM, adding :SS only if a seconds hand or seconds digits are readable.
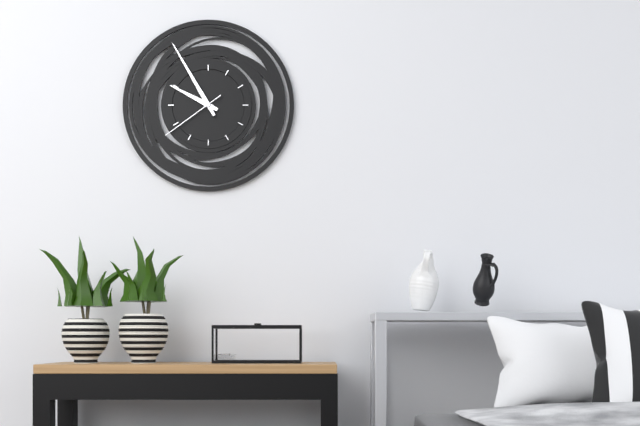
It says 9:55:39
